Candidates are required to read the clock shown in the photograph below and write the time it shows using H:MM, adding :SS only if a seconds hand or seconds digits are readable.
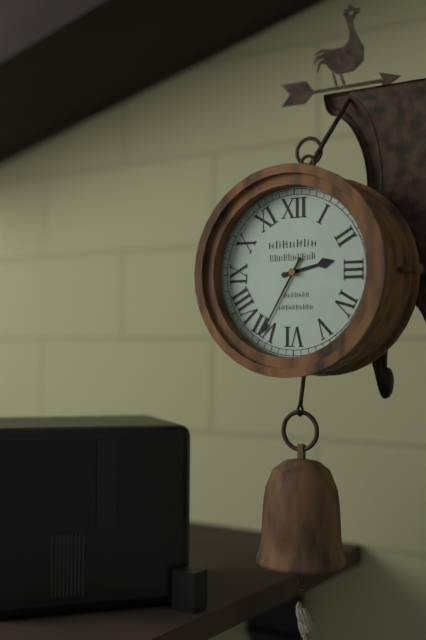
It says 2:35
